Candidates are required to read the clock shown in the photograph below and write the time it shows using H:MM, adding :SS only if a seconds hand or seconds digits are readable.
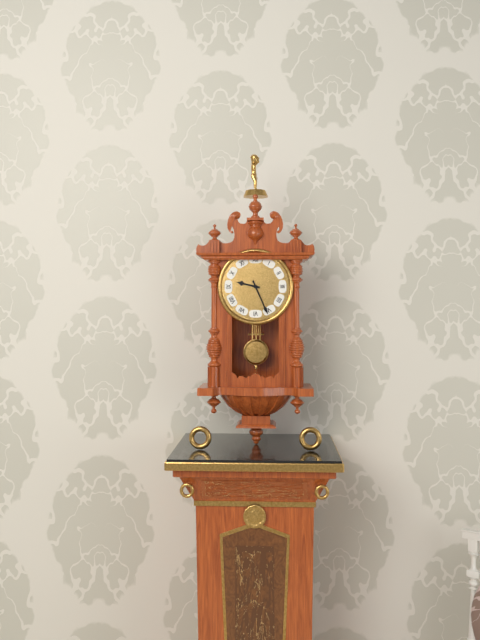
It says 9:26
